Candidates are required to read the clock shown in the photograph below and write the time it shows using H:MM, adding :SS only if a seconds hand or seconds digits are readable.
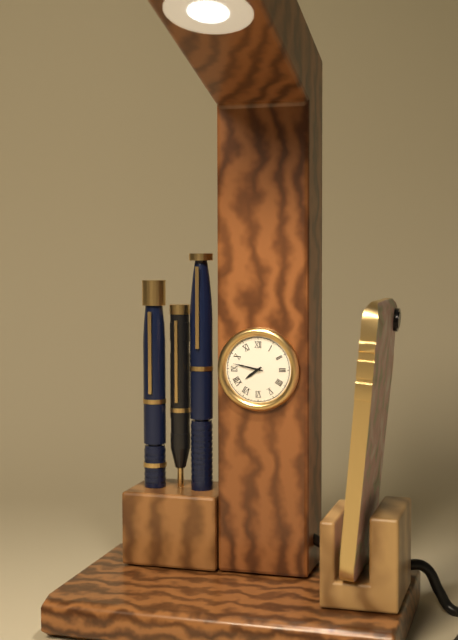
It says 7:47
